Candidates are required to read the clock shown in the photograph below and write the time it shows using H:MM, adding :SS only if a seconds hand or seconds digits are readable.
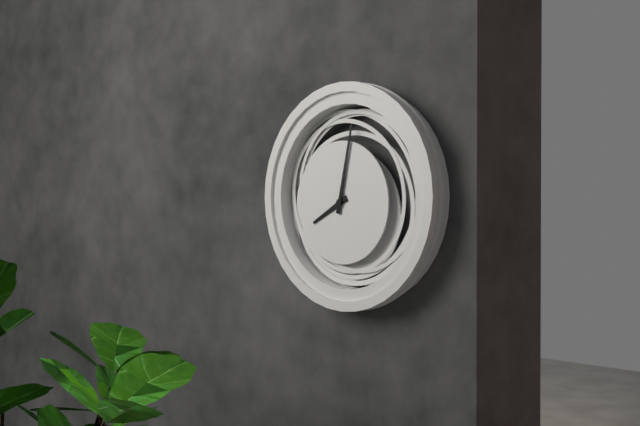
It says 8:02
